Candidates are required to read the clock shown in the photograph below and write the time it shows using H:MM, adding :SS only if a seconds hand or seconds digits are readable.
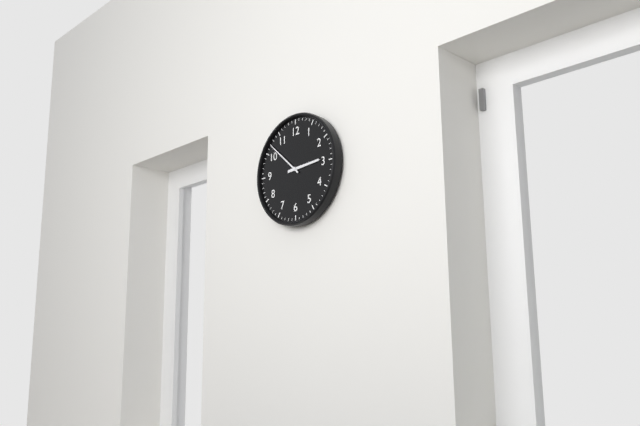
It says 2:52
